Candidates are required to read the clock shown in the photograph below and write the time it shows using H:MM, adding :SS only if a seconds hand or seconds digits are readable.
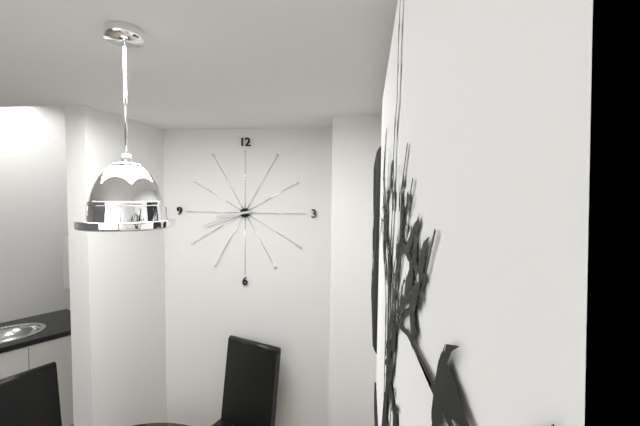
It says 8:42
